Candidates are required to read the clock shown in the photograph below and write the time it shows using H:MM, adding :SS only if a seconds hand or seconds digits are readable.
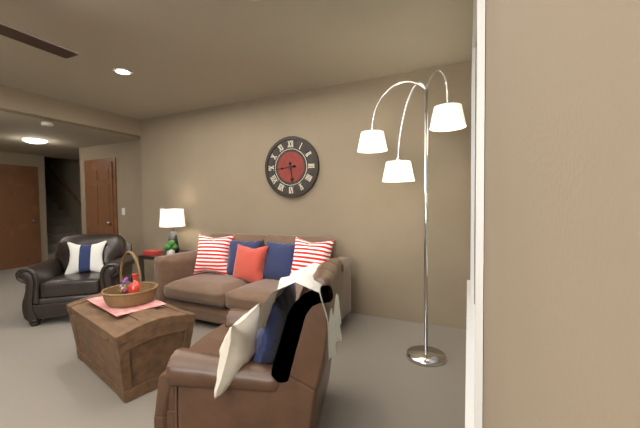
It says 5:44
